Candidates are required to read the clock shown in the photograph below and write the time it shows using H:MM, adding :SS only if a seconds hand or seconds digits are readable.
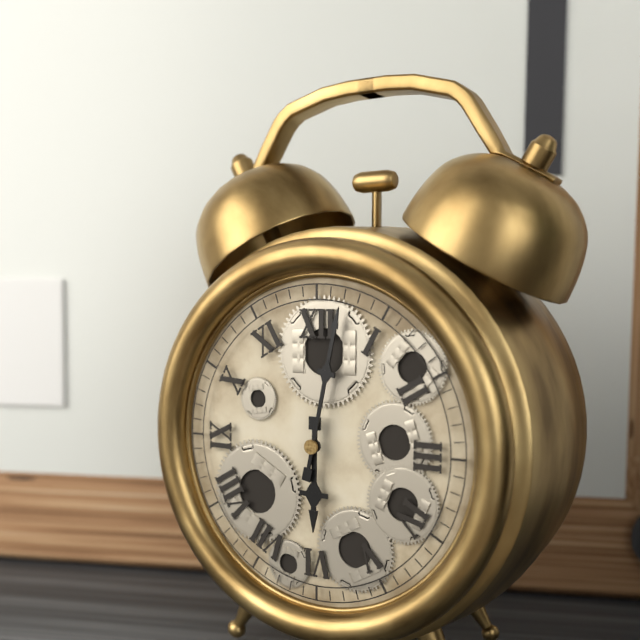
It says 6:02
